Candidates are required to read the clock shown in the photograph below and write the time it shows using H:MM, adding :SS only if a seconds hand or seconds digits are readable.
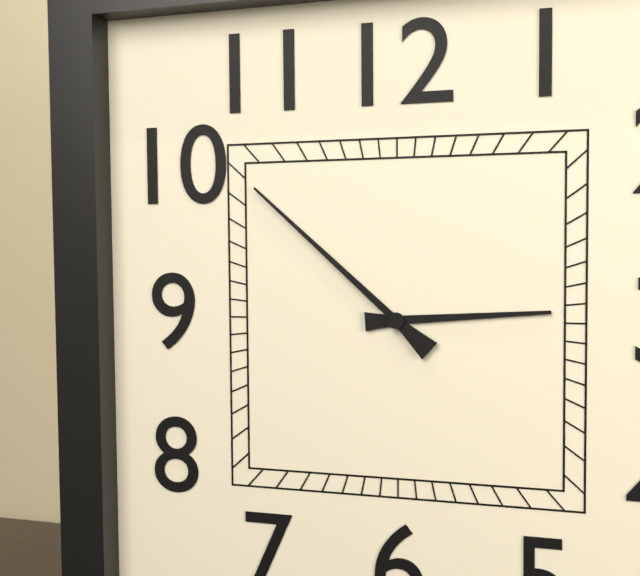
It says 2:52
